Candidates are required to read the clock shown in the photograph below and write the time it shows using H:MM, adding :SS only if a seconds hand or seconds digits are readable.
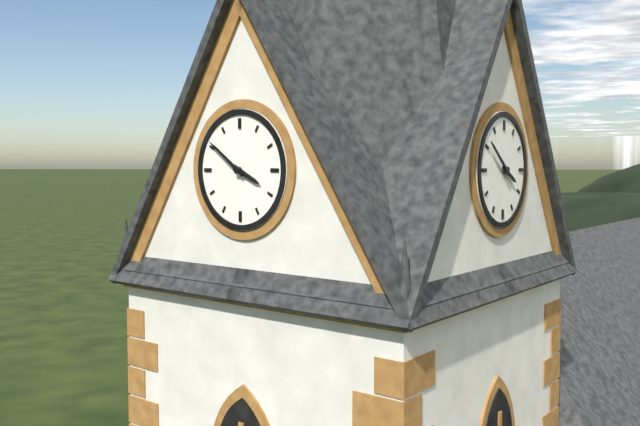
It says 3:51
